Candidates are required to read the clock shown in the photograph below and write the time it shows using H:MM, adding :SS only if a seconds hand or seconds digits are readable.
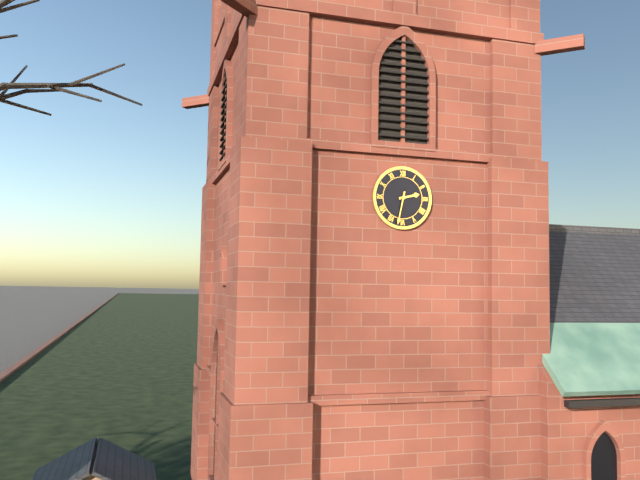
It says 2:32
